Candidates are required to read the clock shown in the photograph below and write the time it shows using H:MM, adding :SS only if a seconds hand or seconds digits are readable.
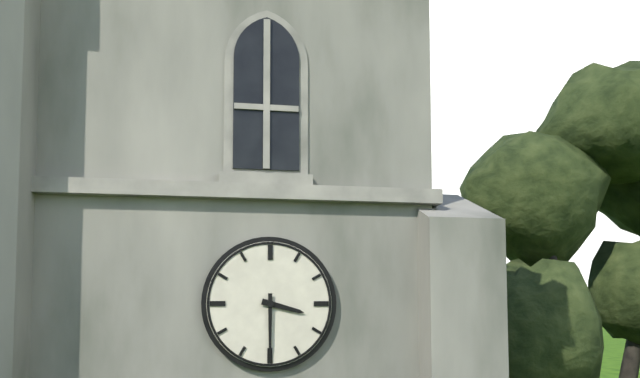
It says 3:30
